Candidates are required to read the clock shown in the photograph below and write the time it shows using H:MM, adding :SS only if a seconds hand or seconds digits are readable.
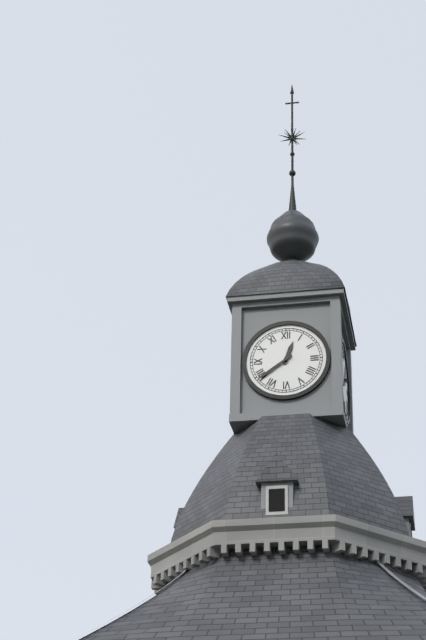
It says 12:39
